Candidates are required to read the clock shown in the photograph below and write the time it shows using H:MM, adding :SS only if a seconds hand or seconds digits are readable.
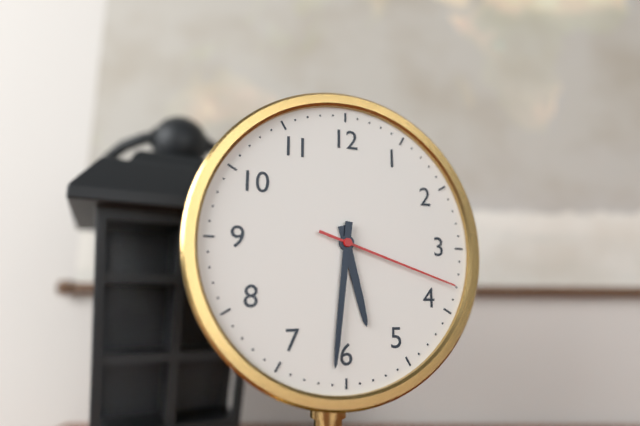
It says 5:31:18
